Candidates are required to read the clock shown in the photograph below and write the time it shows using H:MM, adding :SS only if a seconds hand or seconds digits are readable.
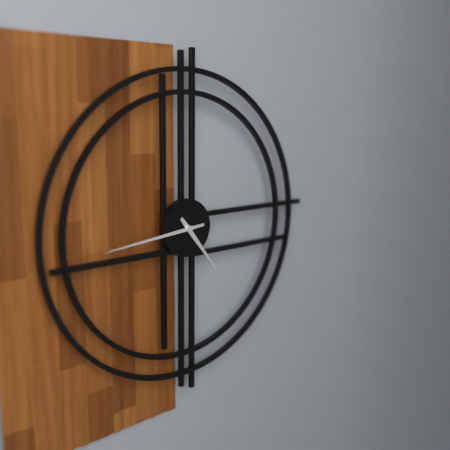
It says 4:44
